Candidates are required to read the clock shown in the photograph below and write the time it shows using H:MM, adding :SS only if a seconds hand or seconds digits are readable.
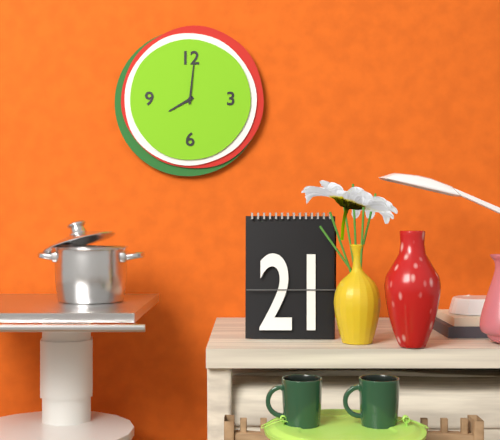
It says 8:01
